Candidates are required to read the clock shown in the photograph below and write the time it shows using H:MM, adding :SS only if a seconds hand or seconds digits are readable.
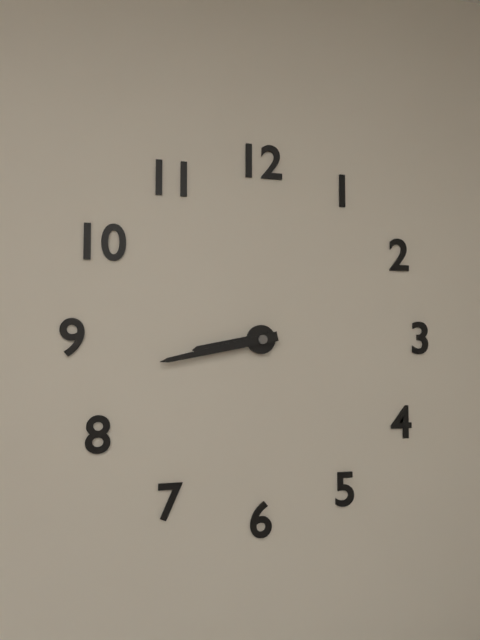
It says 8:43
